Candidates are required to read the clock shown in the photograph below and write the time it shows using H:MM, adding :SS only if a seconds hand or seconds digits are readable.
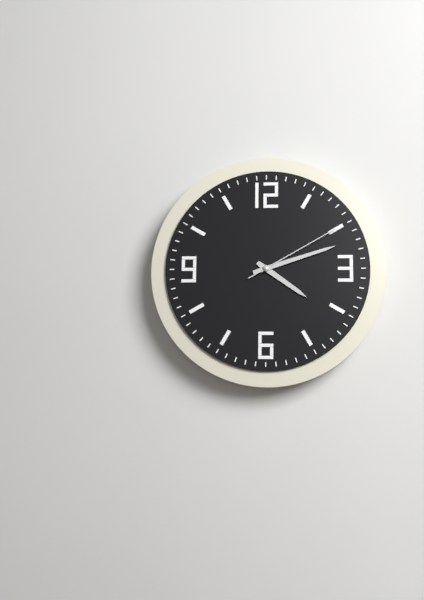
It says 4:12:10
